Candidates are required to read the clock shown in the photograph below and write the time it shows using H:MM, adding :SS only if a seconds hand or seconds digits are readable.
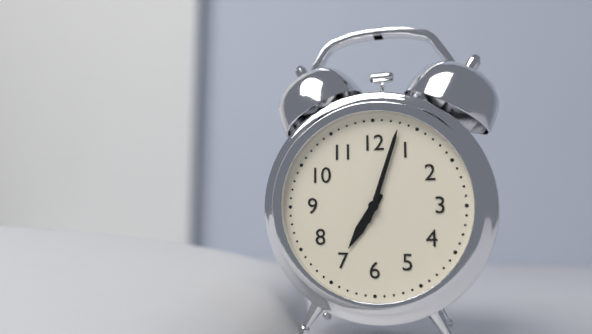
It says 7:03
